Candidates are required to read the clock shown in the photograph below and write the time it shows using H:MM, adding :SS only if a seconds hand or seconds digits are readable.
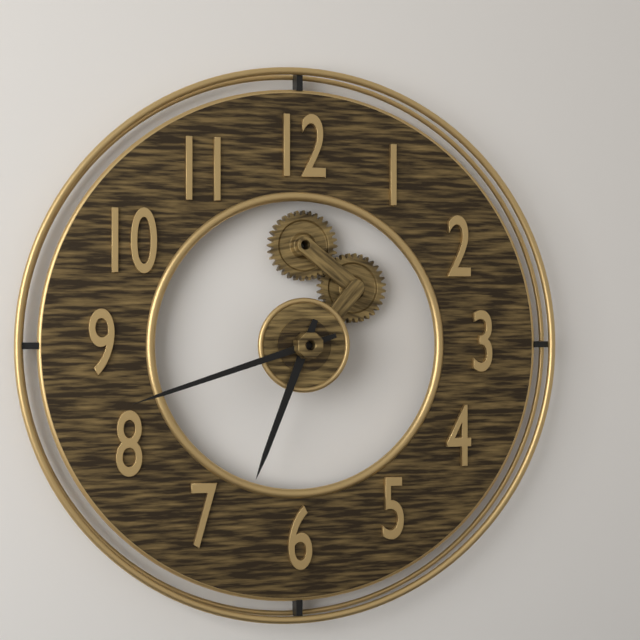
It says 6:42
